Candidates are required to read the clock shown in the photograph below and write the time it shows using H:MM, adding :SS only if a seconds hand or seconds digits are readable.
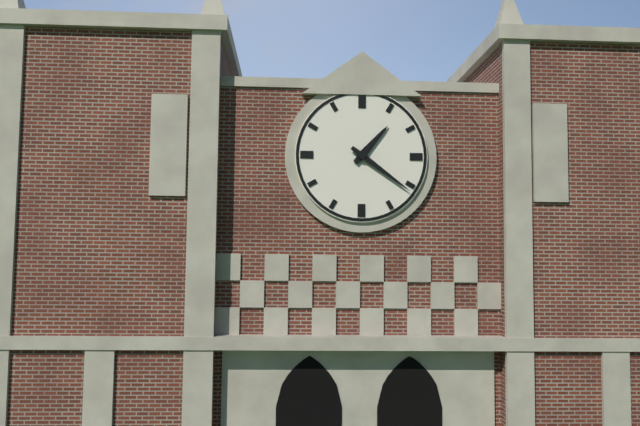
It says 1:21
